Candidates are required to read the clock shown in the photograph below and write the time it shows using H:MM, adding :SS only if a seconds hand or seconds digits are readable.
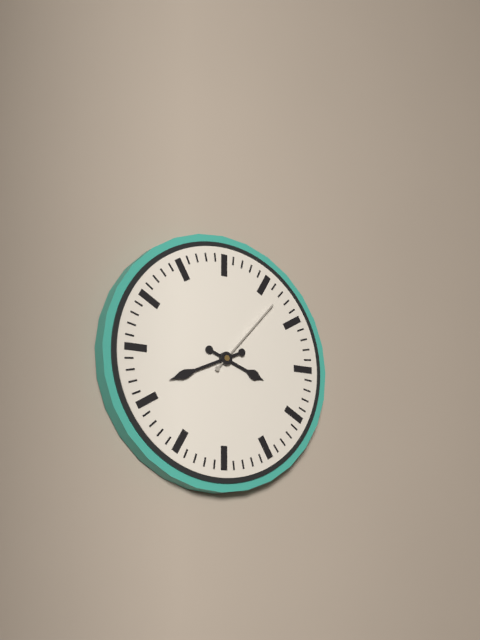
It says 3:41:07
